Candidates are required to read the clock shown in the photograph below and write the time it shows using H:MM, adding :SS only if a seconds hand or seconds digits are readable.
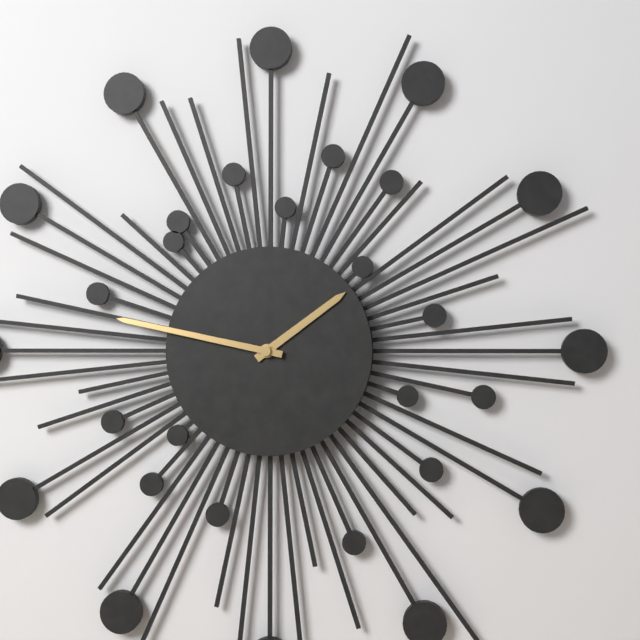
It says 1:47
